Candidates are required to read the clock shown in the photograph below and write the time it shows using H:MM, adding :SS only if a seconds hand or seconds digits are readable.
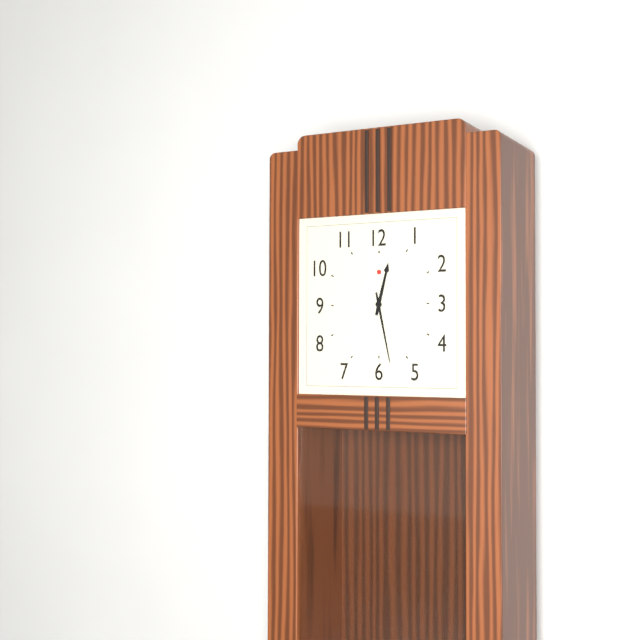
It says 12:28
